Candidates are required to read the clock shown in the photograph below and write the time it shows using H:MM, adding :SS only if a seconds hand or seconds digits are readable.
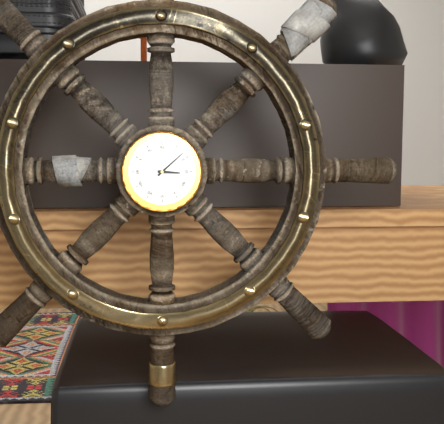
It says 3:08
